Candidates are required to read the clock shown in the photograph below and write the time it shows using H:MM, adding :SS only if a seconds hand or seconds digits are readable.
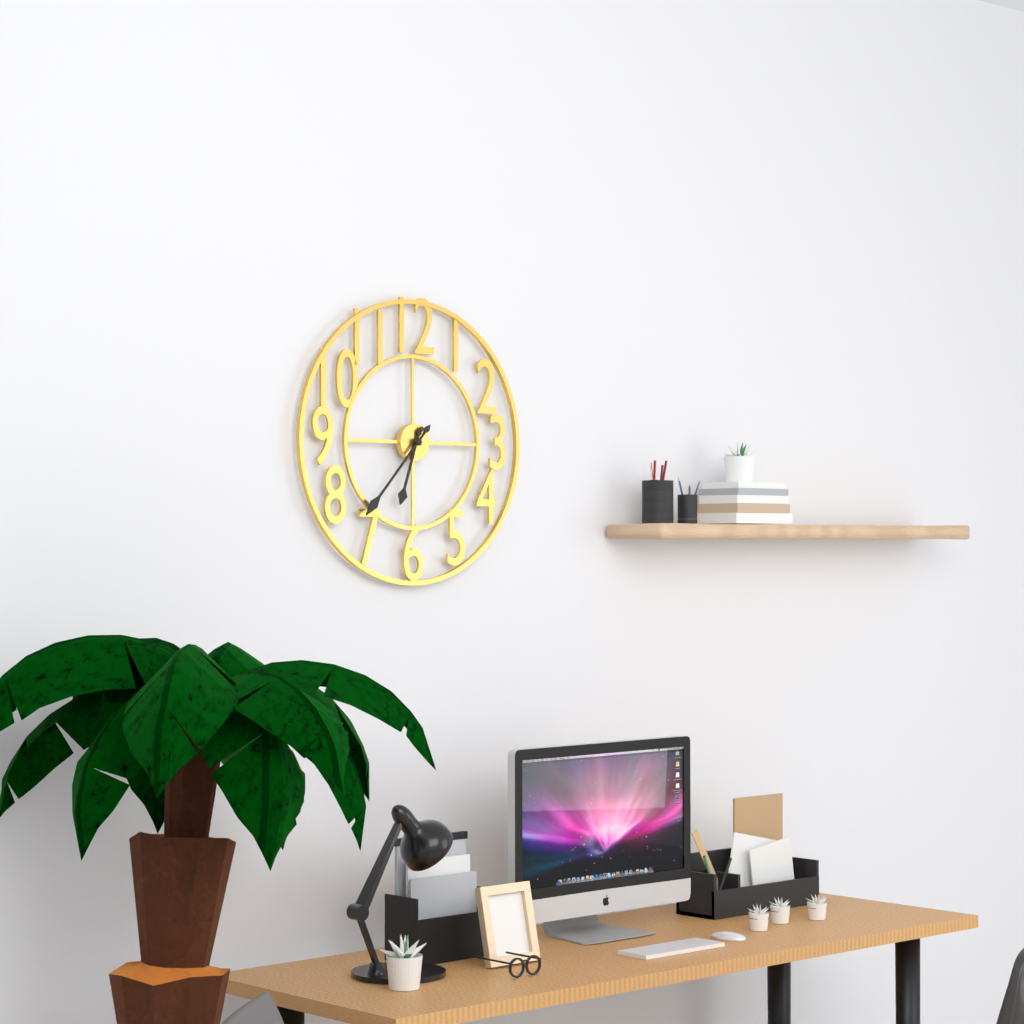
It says 6:37
